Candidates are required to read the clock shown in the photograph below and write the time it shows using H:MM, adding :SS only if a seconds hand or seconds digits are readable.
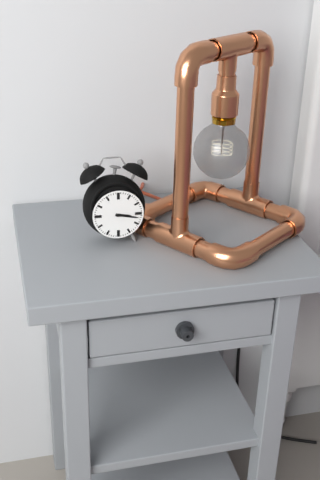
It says 3:17
